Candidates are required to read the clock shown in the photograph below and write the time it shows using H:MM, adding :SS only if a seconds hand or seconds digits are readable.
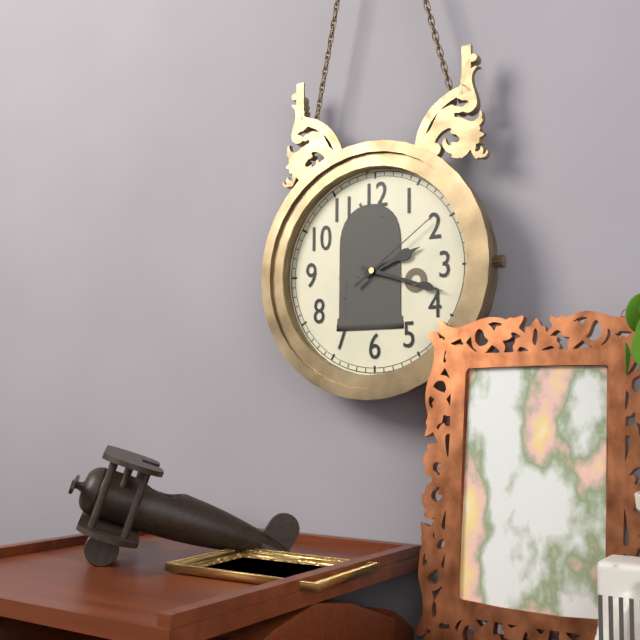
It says 2:18:09
